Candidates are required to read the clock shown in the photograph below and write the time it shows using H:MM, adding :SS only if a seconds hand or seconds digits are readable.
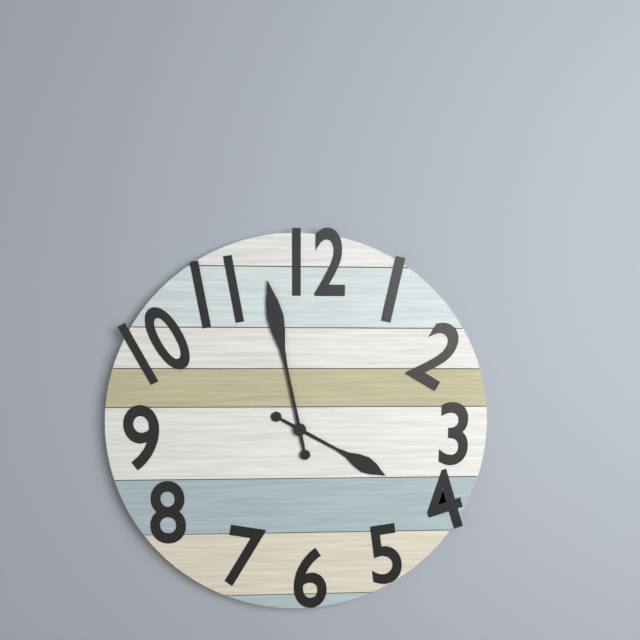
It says 3:58
